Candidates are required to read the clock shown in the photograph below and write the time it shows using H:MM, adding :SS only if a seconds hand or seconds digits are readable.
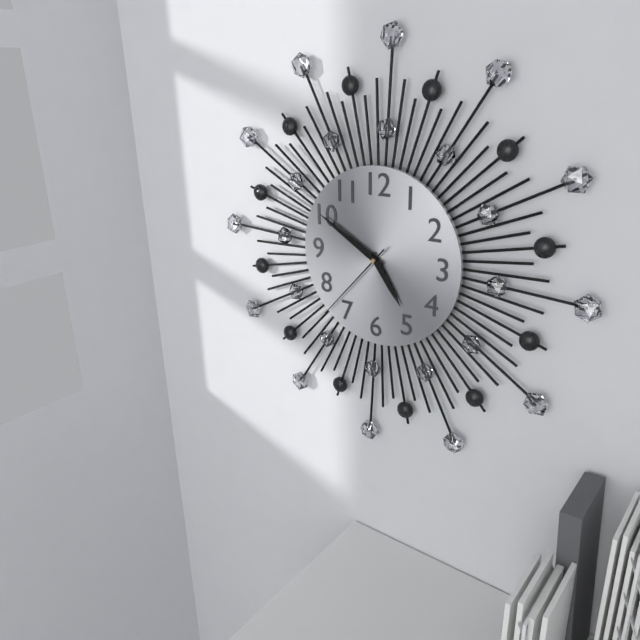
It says 4:50:37
